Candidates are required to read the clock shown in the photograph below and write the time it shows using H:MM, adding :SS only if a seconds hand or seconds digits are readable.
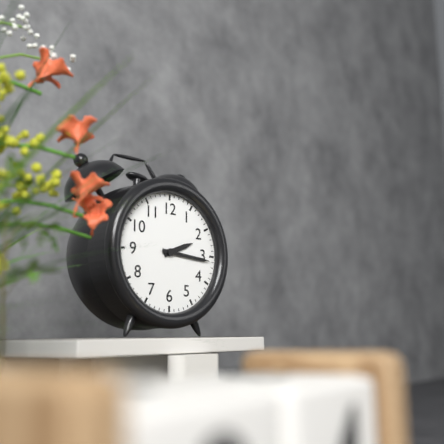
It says 2:16
